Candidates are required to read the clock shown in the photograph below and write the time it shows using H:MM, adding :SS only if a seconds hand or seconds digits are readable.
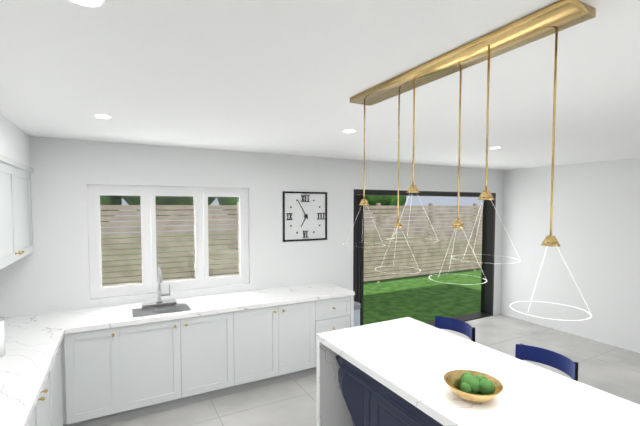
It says 6:55
